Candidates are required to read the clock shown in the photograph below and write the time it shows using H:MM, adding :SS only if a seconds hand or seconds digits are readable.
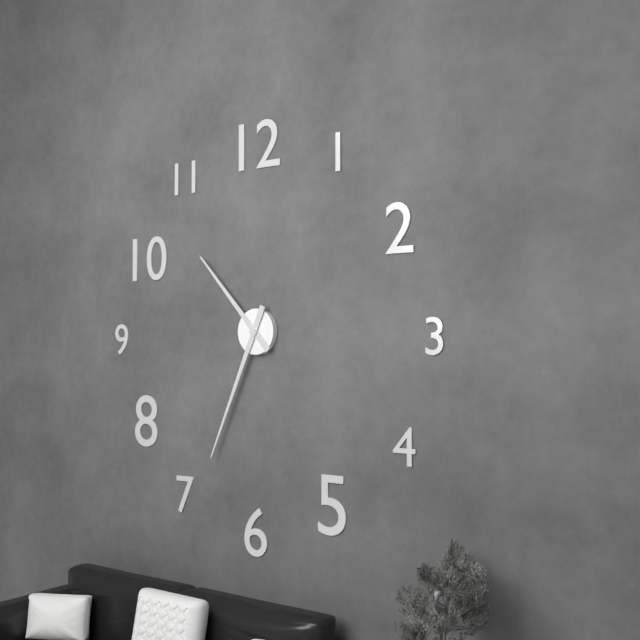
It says 10:34
